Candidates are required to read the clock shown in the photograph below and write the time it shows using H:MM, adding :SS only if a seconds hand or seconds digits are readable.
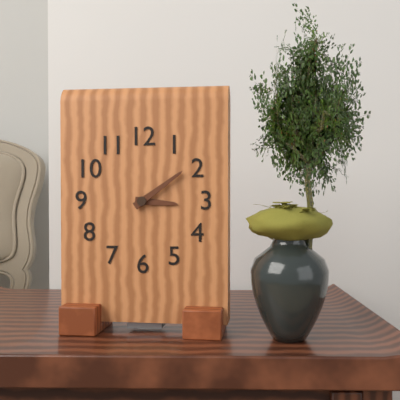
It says 3:09
